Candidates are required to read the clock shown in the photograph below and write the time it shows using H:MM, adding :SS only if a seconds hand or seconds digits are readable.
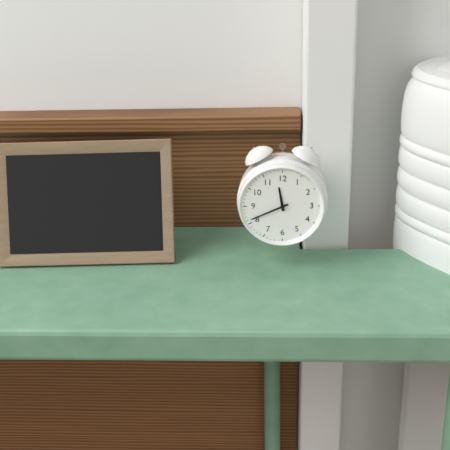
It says 11:41
